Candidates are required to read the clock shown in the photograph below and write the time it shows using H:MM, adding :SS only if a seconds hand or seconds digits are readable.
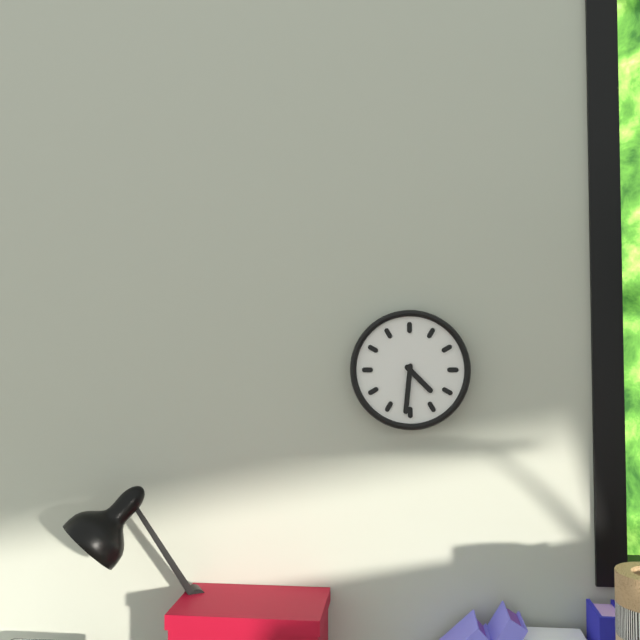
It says 4:31
